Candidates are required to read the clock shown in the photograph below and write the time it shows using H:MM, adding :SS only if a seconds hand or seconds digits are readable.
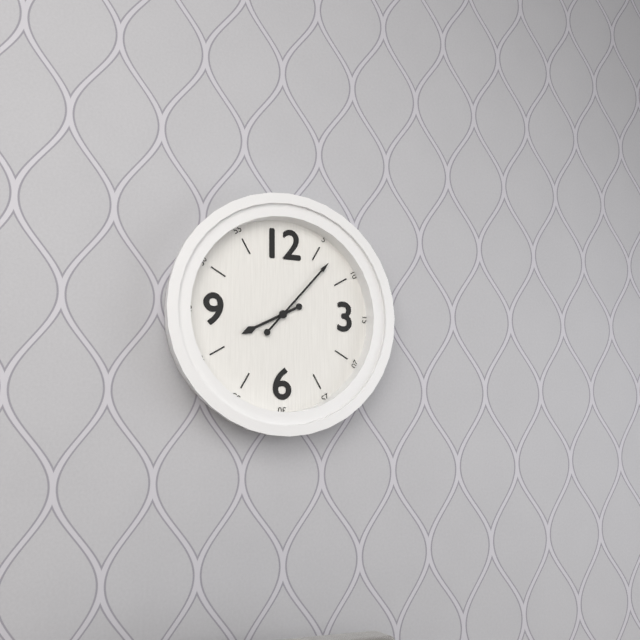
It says 8:07
